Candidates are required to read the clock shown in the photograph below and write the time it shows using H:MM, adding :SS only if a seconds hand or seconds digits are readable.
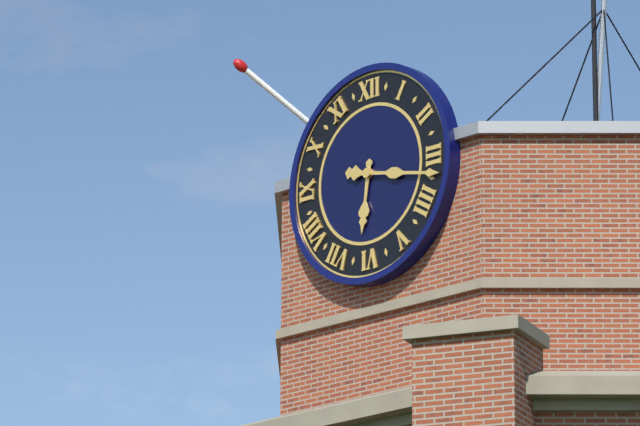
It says 6:17
